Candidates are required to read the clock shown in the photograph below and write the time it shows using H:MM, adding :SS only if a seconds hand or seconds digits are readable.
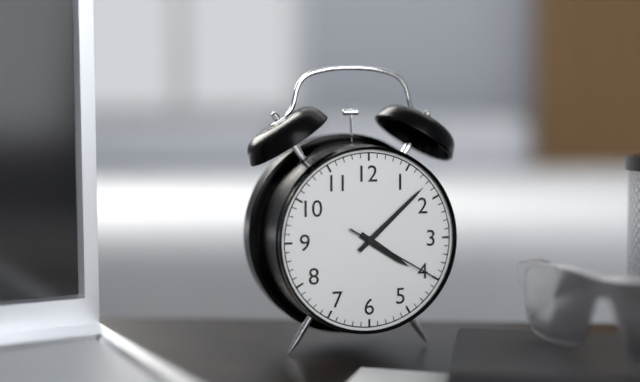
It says 4:08:20
